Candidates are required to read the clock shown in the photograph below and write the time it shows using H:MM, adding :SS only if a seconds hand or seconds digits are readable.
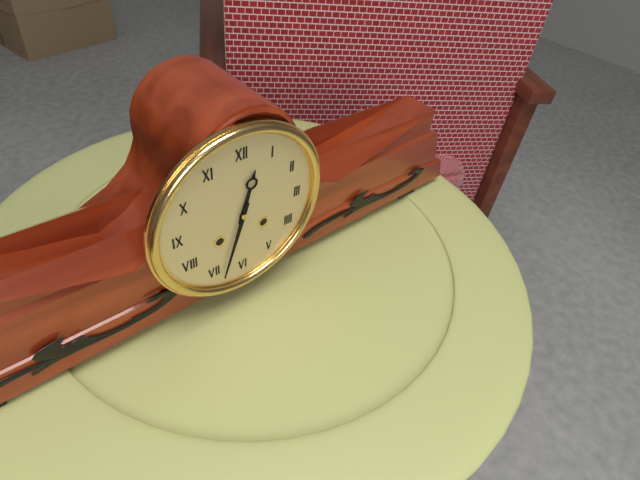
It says 12:33
